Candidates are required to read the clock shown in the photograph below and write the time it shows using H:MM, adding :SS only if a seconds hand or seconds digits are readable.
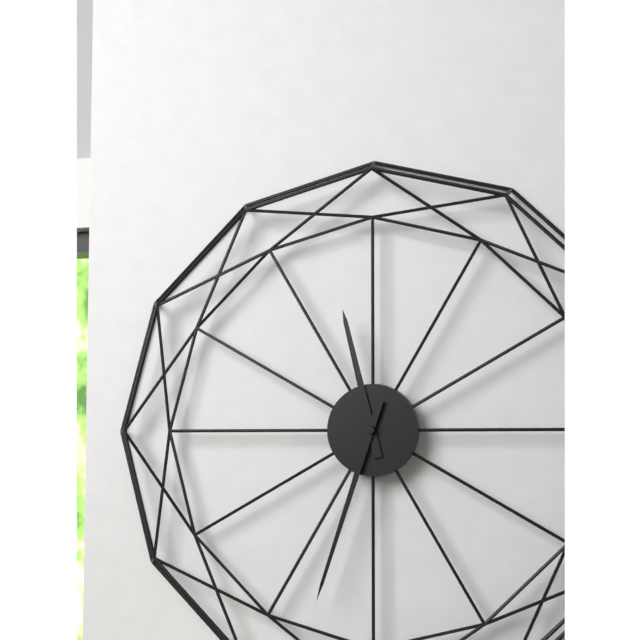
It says 11:33
